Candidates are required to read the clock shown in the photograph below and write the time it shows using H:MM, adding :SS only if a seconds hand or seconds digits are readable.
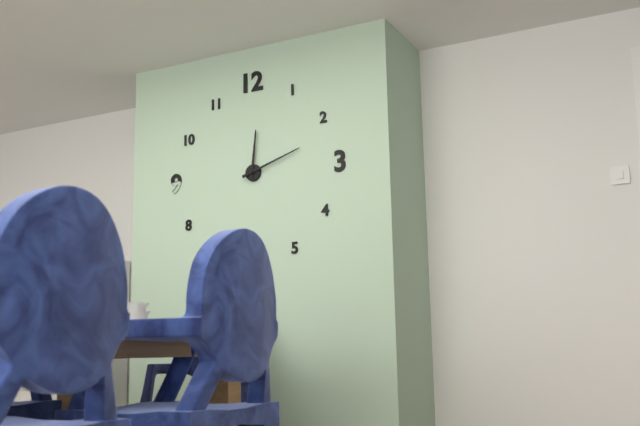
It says 12:12
